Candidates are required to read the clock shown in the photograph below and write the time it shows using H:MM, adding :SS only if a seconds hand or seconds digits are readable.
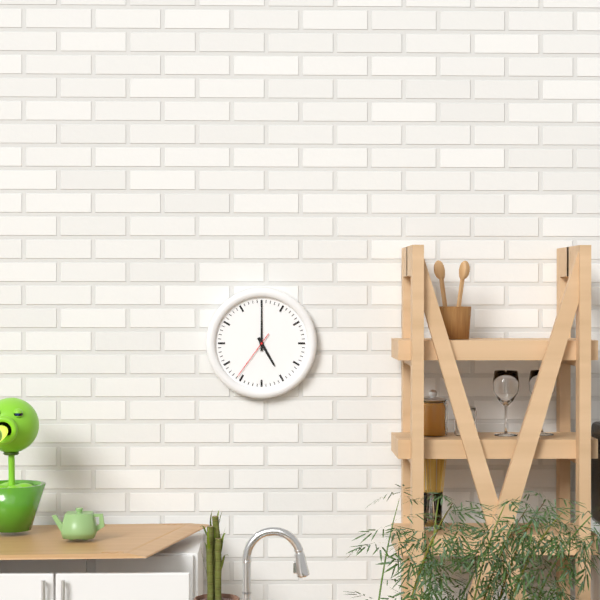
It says 5:00:36
